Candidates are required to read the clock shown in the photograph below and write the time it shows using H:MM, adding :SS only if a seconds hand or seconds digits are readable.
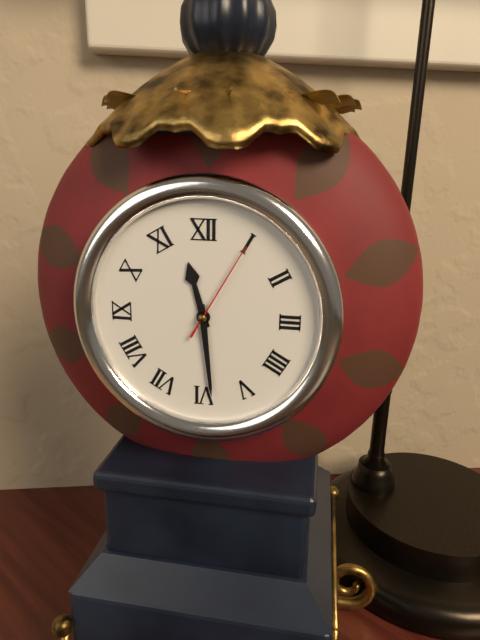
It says 11:29:05
